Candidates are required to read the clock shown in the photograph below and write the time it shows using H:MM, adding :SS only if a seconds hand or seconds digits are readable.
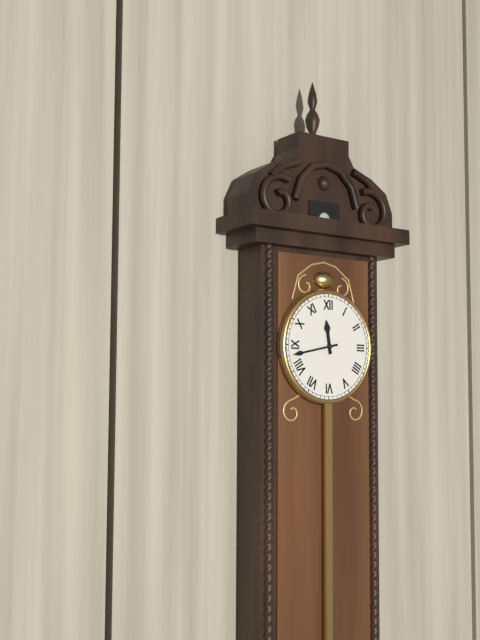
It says 11:43
